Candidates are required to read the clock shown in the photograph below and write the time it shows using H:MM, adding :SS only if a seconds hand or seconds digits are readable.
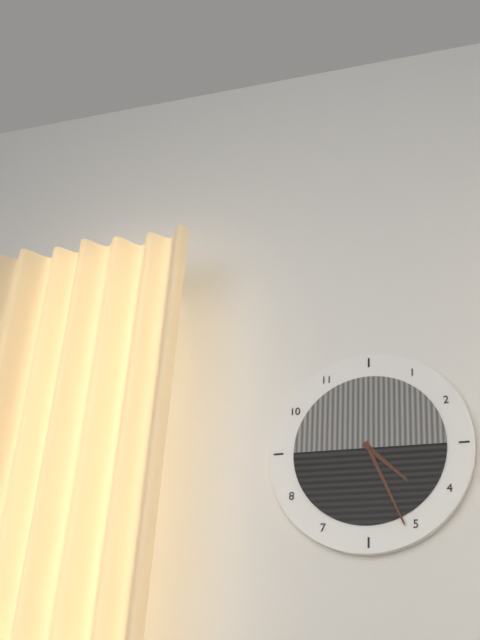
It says 4:26
